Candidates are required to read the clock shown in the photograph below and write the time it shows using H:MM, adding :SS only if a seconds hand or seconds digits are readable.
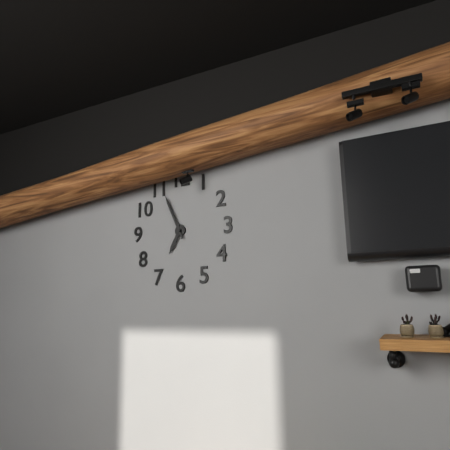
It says 6:56
